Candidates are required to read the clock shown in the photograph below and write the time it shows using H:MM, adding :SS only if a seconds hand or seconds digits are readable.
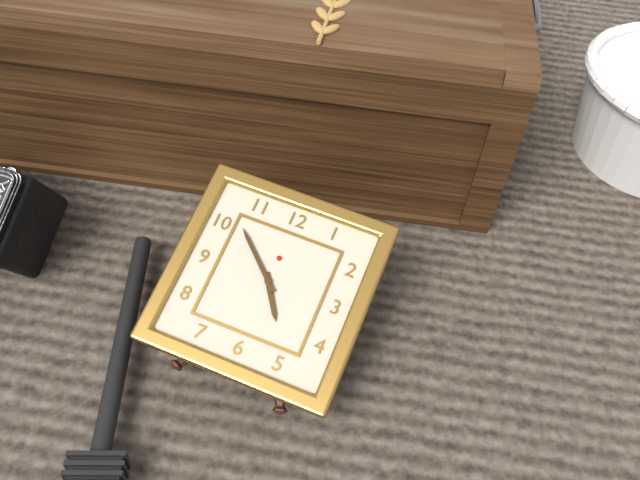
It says 4:52
